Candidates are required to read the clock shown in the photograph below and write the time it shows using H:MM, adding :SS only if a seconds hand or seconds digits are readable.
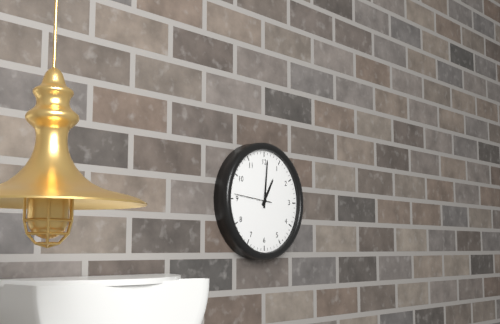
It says 1:01
